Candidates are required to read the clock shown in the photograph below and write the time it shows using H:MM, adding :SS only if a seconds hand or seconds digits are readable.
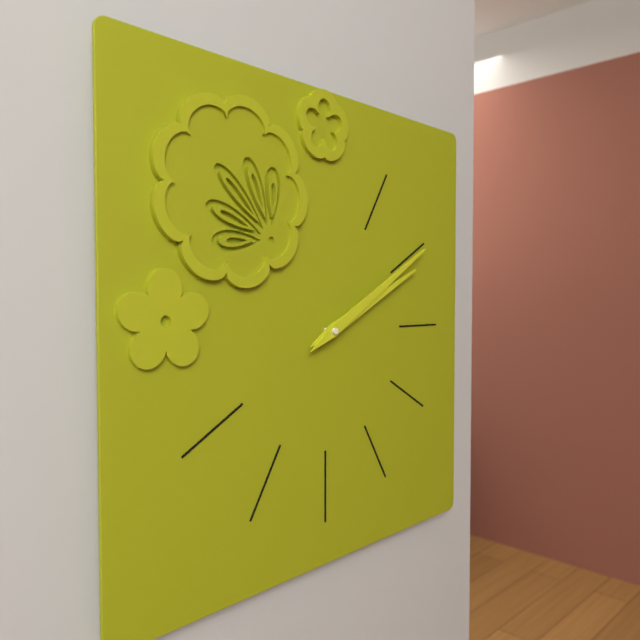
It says 2:10
